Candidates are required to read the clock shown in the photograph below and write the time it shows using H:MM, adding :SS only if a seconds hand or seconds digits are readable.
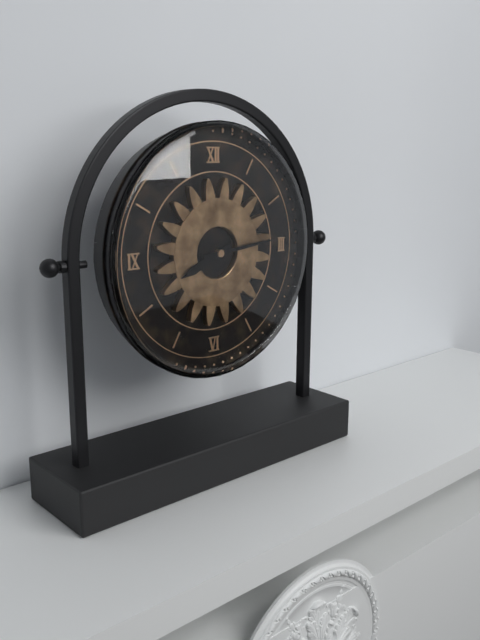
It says 8:14
